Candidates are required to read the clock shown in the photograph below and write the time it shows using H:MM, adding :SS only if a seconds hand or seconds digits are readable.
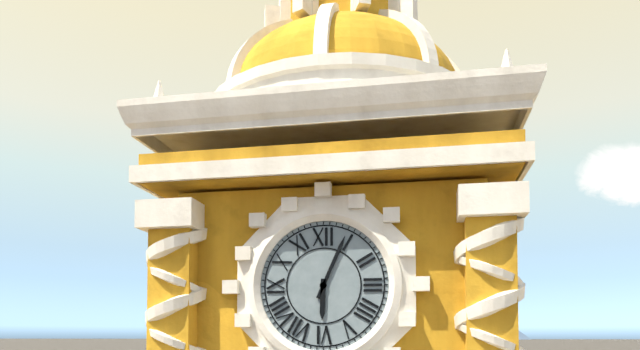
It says 6:04
